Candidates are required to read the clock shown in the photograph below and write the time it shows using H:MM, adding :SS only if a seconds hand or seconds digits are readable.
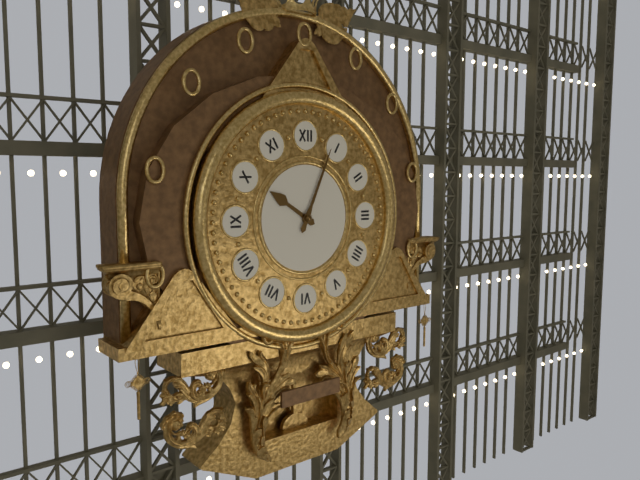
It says 10:04
